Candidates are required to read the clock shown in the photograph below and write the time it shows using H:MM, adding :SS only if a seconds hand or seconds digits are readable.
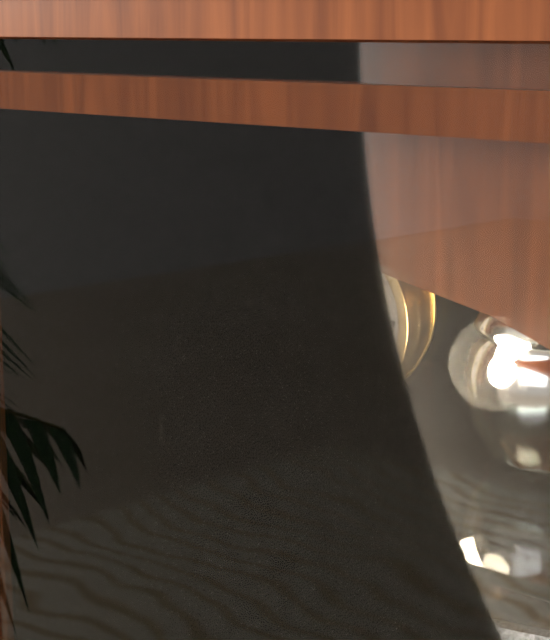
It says 7:17
